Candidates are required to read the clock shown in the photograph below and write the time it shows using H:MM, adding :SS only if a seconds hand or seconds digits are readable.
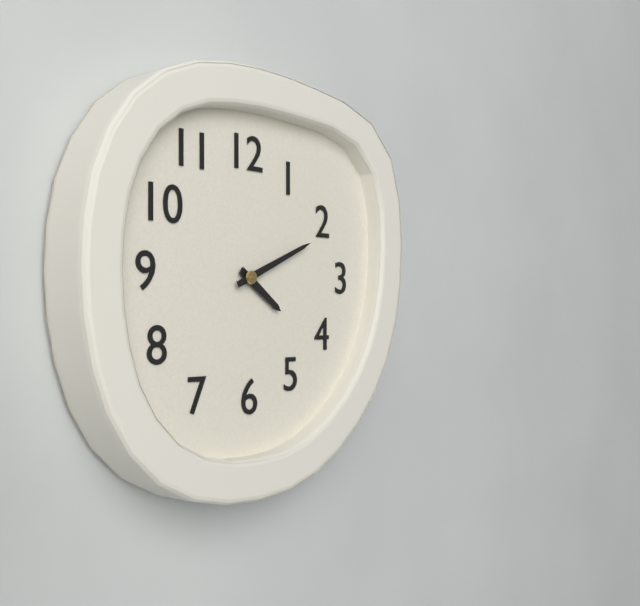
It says 4:11
